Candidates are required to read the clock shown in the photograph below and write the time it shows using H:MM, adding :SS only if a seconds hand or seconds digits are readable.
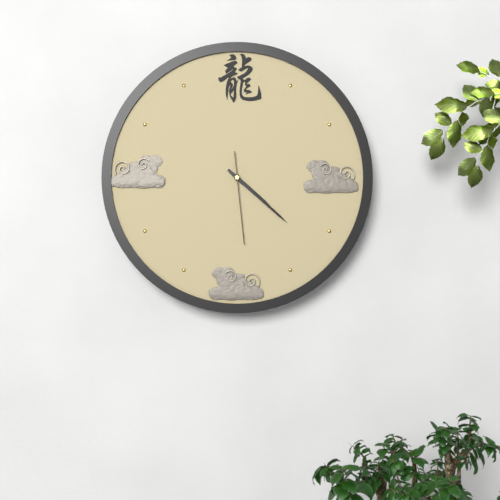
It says 4:22:29
